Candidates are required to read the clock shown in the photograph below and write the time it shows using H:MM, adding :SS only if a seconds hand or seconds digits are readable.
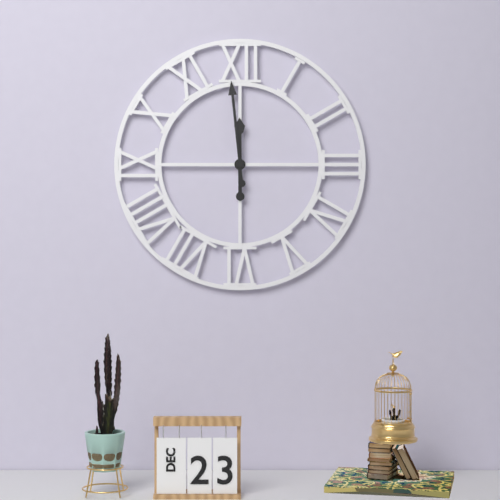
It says 11:59
